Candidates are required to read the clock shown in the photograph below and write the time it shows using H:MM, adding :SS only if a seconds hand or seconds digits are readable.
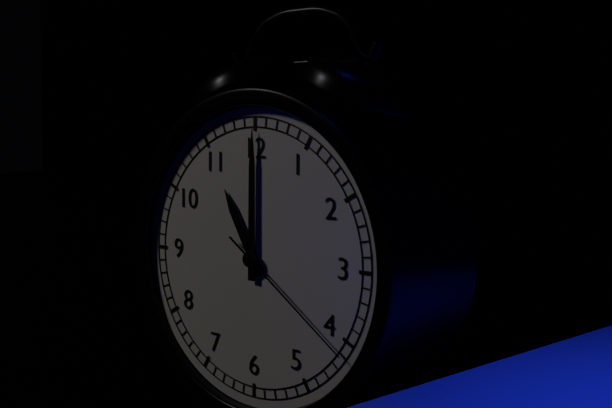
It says 11:00:21
